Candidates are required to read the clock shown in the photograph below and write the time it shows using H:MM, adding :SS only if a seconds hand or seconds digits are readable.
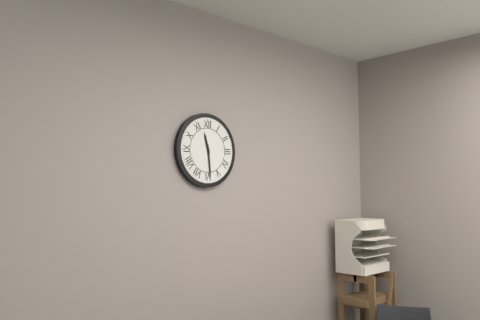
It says 11:29
